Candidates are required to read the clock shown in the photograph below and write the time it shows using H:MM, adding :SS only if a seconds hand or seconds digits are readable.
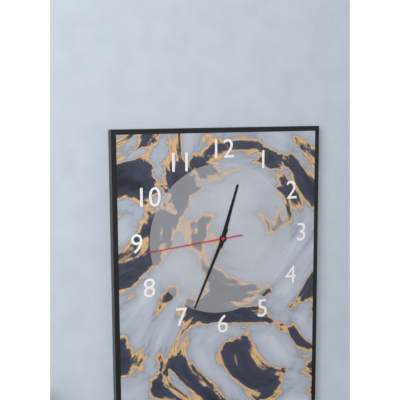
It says 12:34:44
